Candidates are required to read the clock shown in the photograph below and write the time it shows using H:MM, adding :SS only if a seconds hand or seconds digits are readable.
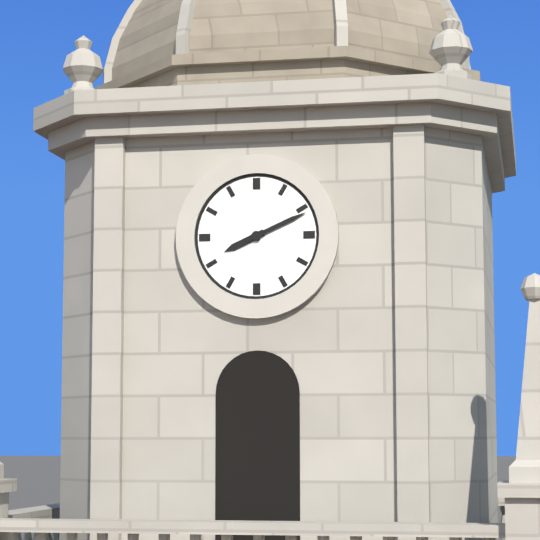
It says 8:11
